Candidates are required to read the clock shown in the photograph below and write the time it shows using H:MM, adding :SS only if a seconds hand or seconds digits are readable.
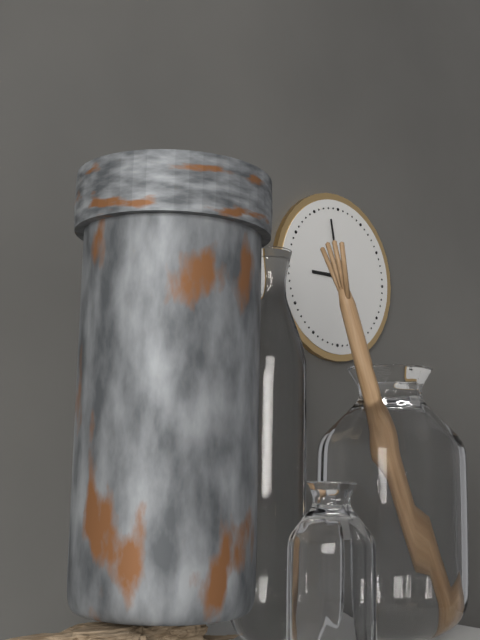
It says 8:58
